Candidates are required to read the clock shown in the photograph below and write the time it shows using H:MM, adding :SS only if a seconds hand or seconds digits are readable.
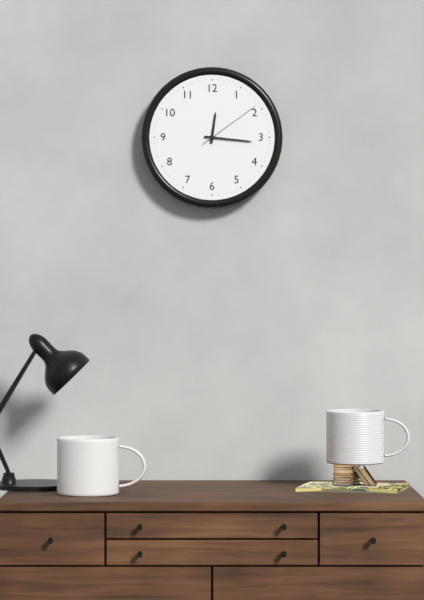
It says 12:16:09
